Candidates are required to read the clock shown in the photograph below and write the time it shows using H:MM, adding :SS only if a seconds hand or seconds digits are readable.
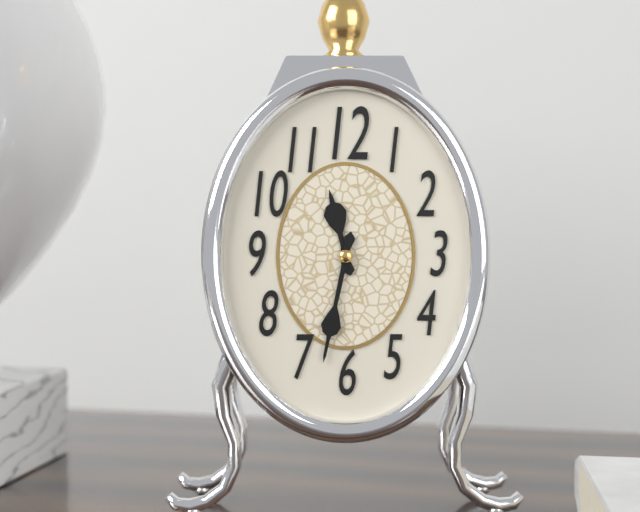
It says 11:32
